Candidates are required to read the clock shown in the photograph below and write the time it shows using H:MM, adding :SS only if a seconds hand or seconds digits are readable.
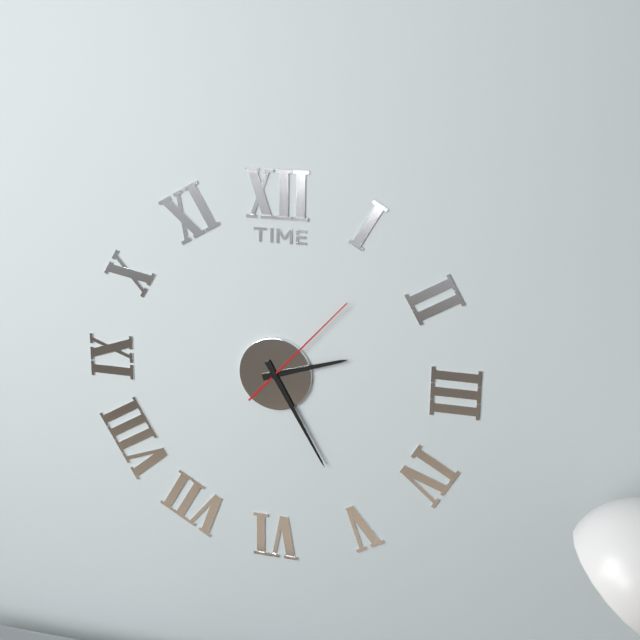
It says 2:25:07
